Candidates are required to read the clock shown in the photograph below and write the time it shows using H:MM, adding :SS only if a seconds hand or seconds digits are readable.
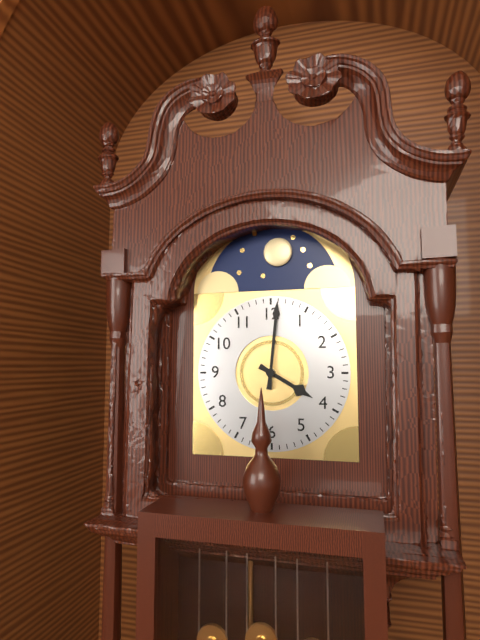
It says 4:01
